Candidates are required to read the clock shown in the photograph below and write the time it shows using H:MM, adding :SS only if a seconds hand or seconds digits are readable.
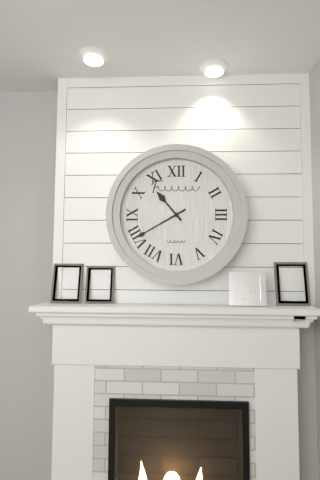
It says 10:40
